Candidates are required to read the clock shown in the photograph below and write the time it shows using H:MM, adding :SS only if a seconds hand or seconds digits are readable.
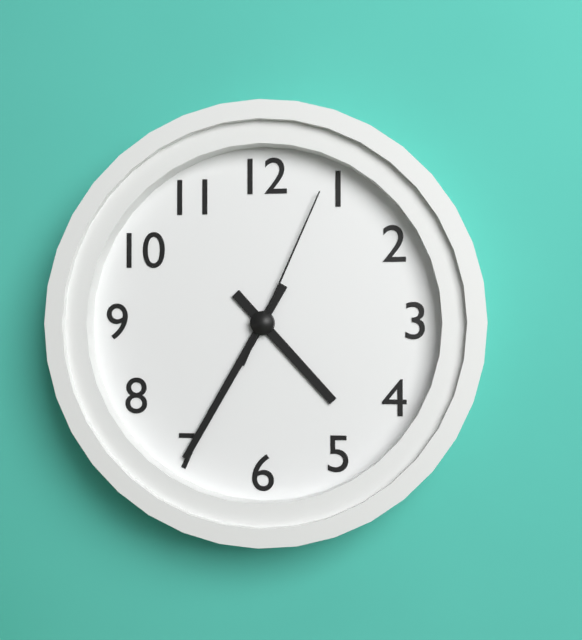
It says 4:35:04
